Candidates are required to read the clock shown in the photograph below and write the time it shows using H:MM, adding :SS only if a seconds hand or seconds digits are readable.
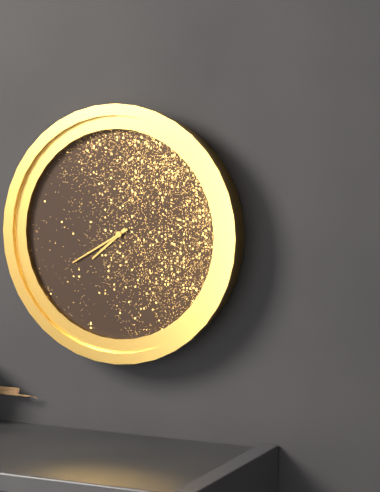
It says 7:40
